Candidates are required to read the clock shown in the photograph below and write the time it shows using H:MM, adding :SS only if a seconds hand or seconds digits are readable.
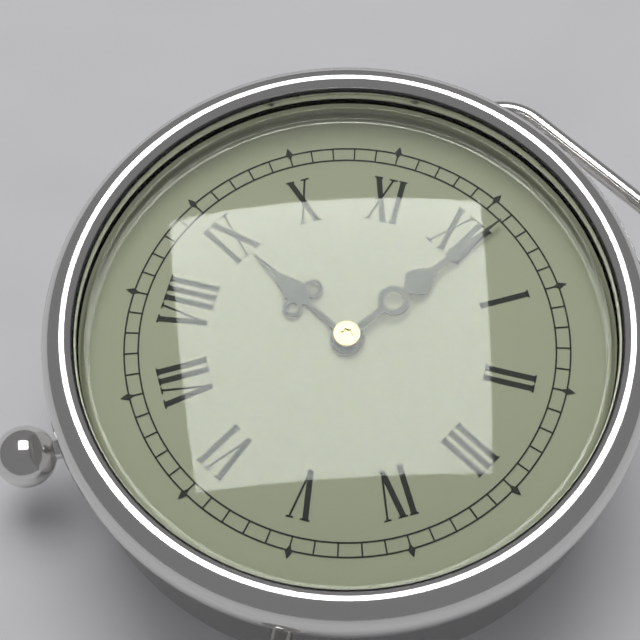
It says 9:01
